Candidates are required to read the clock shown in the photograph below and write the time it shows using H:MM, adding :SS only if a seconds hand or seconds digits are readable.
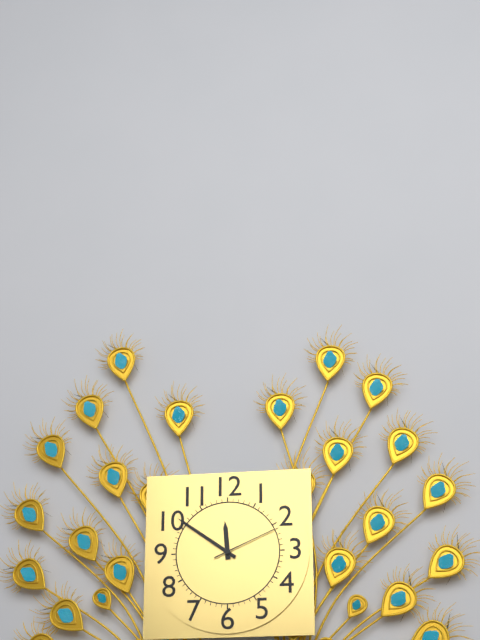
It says 11:51:11
